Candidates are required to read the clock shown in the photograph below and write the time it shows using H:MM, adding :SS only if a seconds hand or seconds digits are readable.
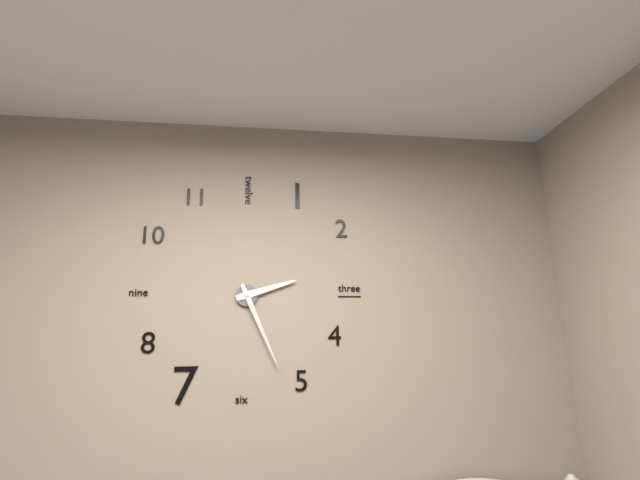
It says 2:26
